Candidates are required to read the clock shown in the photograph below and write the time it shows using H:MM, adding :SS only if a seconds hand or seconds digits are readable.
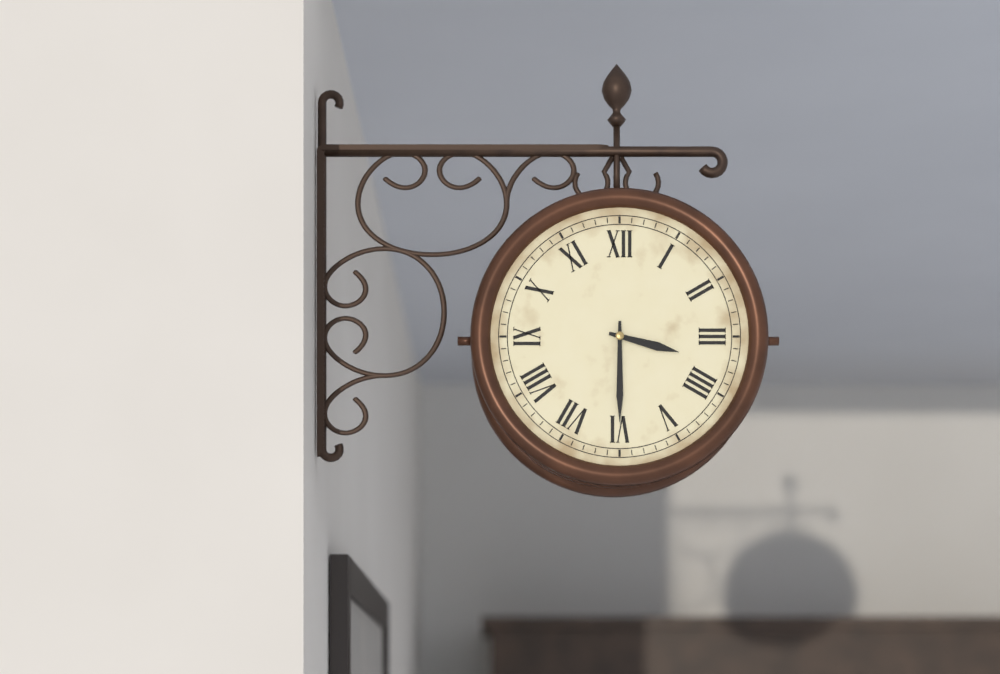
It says 3:30
